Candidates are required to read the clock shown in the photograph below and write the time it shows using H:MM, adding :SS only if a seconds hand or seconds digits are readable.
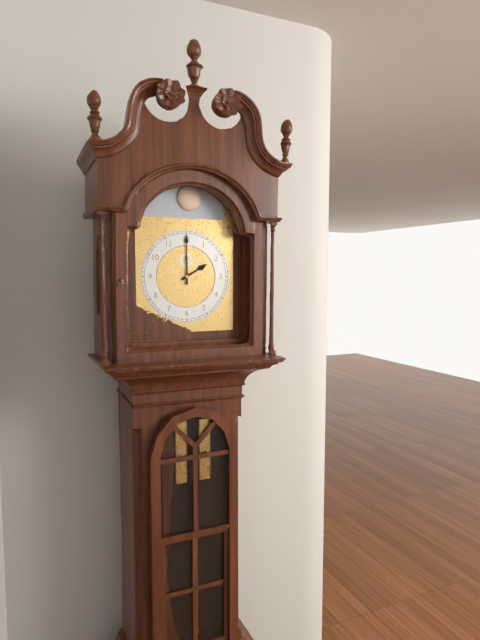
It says 2:00
